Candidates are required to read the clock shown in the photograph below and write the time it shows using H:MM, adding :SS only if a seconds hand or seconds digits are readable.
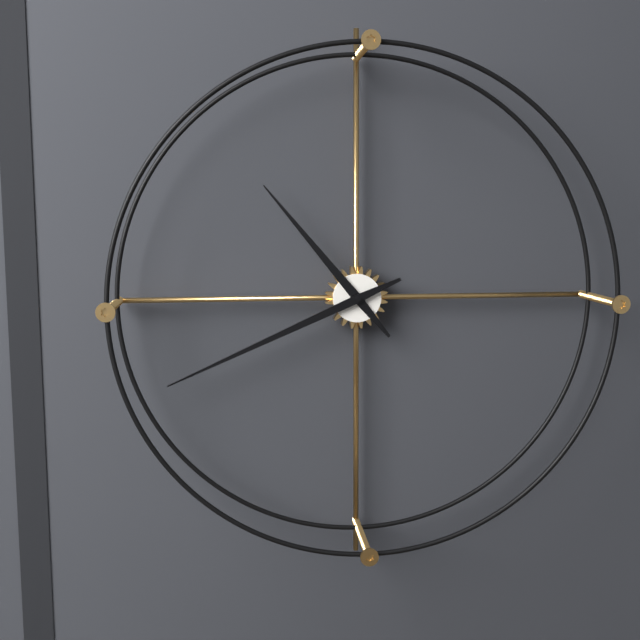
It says 10:41
